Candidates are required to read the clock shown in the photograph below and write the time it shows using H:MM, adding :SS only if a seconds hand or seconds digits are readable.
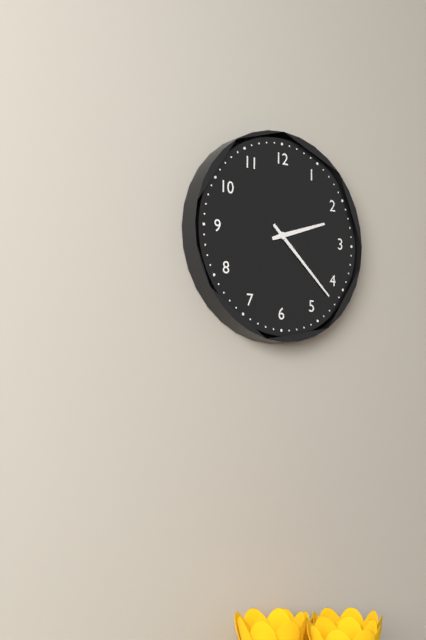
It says 2:22
